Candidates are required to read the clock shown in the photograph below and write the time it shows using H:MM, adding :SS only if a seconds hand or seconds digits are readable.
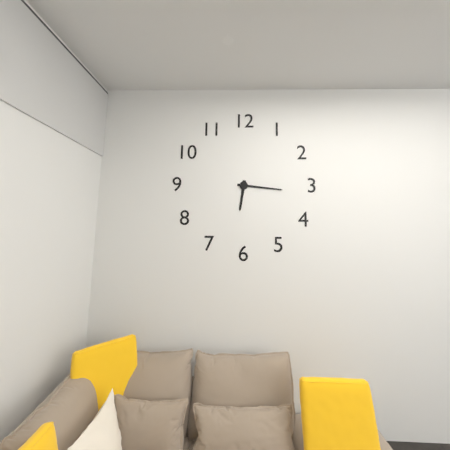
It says 6:16
